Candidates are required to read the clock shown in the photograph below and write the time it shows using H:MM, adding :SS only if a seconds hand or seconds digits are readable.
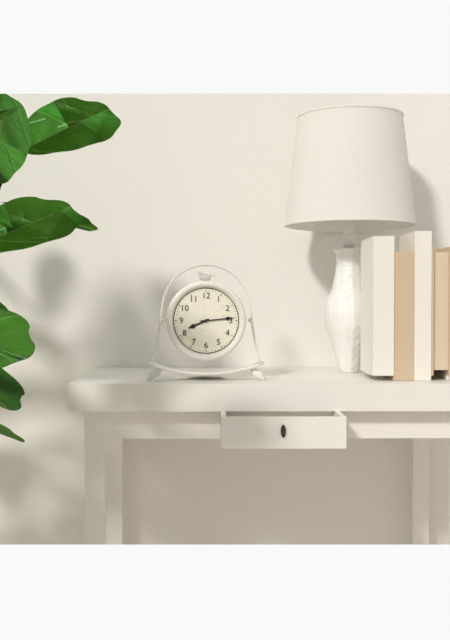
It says 8:14
